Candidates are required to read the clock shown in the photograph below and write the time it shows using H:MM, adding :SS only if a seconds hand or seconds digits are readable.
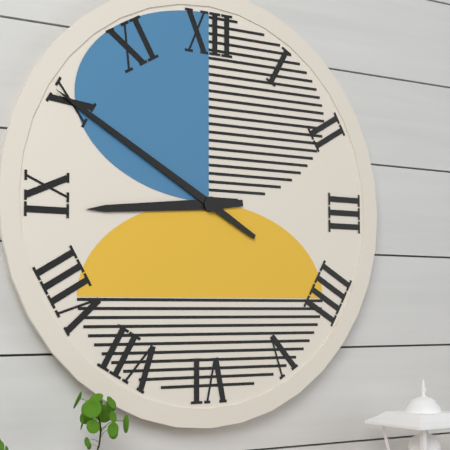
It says 8:50
